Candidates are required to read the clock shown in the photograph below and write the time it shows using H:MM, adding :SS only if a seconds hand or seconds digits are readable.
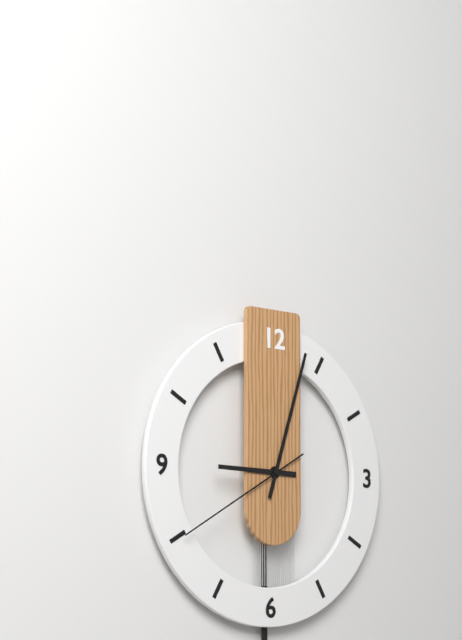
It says 9:03:40
